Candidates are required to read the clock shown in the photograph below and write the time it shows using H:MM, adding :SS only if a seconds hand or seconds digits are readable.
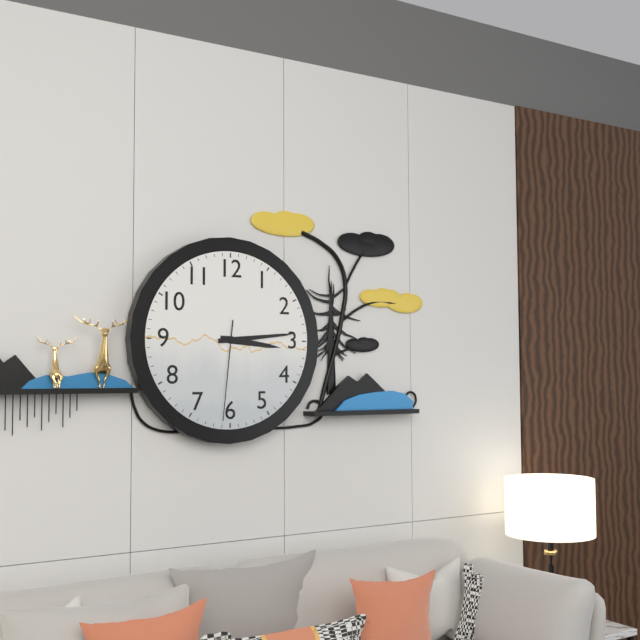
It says 3:14:31
